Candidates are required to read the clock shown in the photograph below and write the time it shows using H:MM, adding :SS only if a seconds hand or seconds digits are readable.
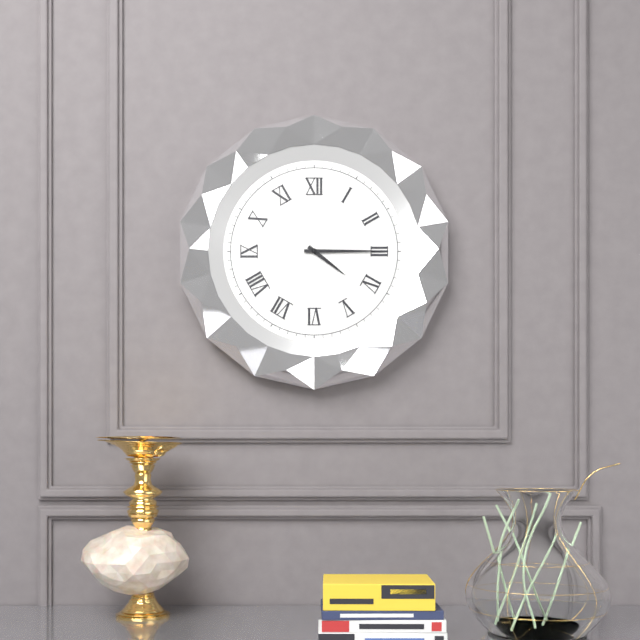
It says 4:15
